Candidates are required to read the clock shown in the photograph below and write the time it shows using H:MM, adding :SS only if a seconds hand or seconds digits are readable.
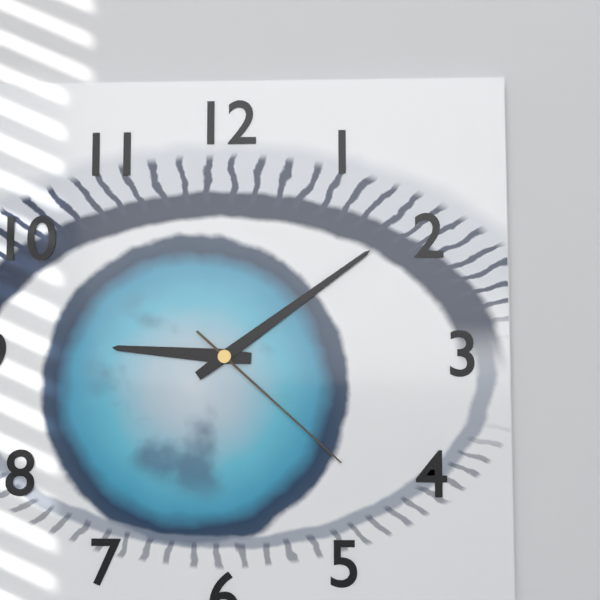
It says 9:09:22
